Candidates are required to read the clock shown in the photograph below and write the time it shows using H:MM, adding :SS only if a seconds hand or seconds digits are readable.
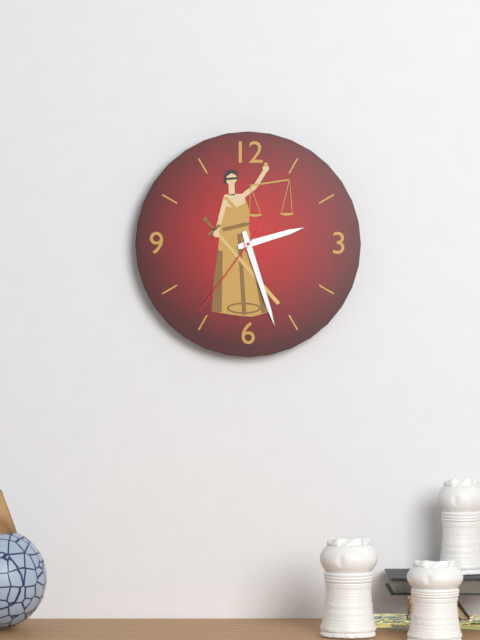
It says 2:27:36
